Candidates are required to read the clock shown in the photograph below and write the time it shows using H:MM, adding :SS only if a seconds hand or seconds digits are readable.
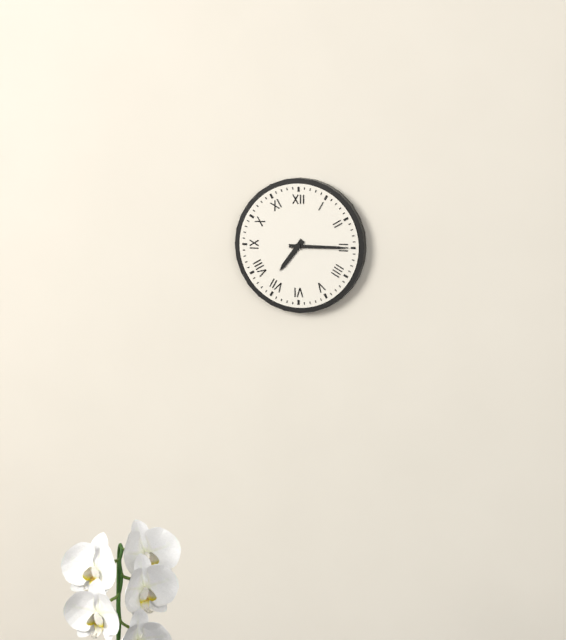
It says 7:15
